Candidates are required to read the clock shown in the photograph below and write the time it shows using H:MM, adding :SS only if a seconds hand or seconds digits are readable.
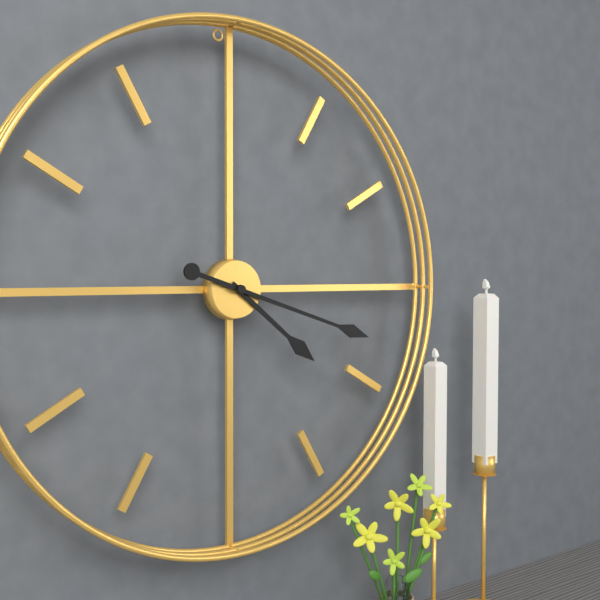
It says 4:18
